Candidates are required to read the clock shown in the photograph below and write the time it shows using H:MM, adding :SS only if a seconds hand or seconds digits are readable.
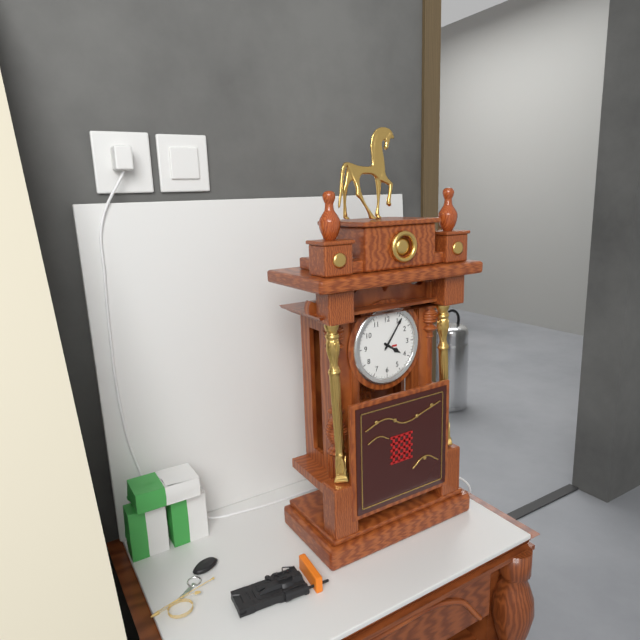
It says 4:06
